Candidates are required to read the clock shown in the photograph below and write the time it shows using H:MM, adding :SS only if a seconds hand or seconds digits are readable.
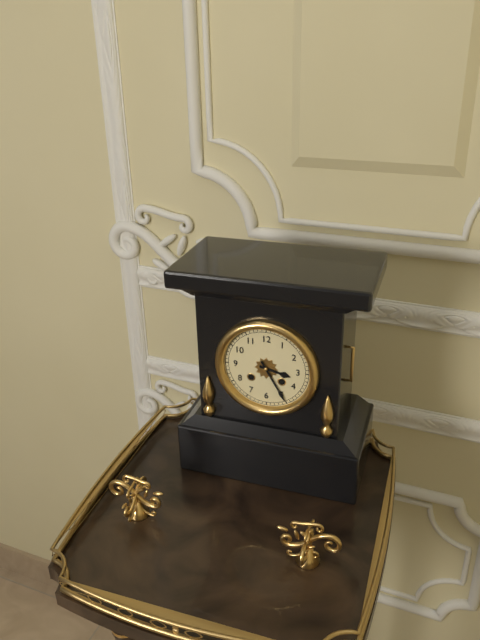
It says 3:25
